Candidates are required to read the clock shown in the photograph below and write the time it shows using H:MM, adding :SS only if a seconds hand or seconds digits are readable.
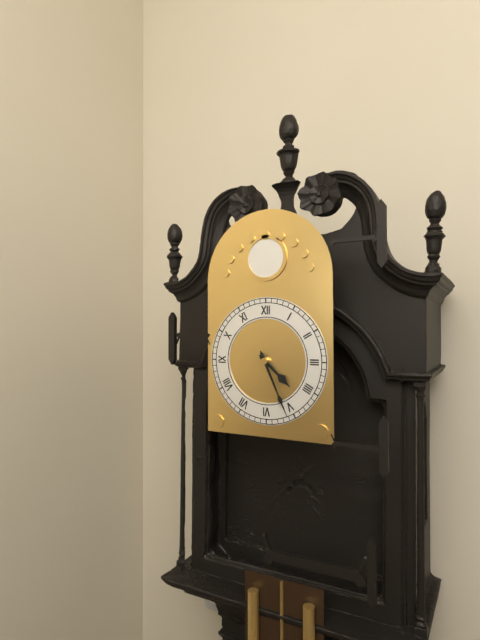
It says 4:26
